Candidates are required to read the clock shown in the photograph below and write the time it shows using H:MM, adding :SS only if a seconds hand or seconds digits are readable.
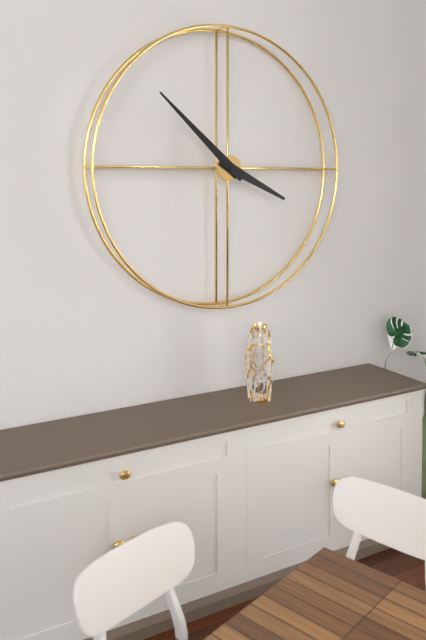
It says 3:52
